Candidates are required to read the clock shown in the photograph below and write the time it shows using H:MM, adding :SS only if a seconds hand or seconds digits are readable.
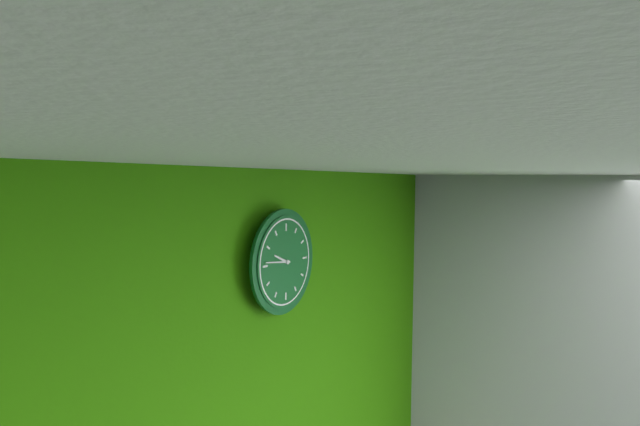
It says 9:46
